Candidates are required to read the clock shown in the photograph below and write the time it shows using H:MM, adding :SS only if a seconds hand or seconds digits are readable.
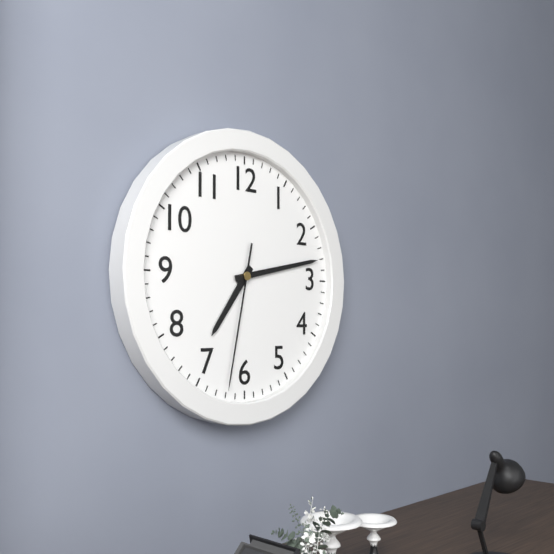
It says 7:13:32
